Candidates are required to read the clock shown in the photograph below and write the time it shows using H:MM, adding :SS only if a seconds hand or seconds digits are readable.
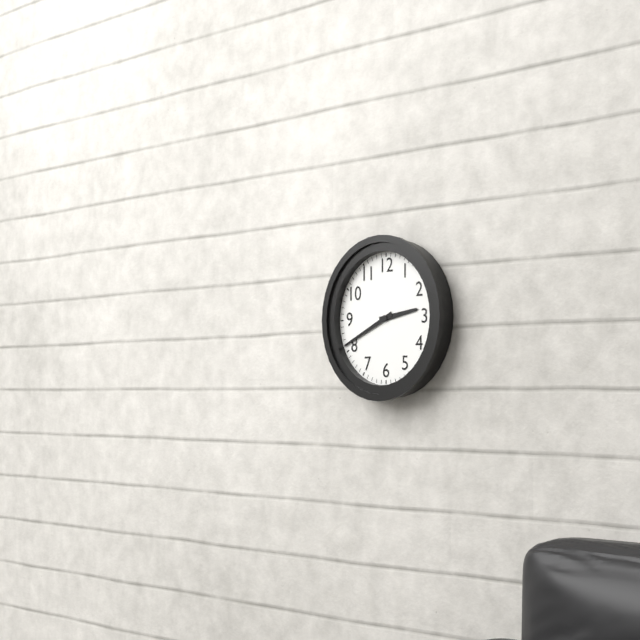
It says 2:41
